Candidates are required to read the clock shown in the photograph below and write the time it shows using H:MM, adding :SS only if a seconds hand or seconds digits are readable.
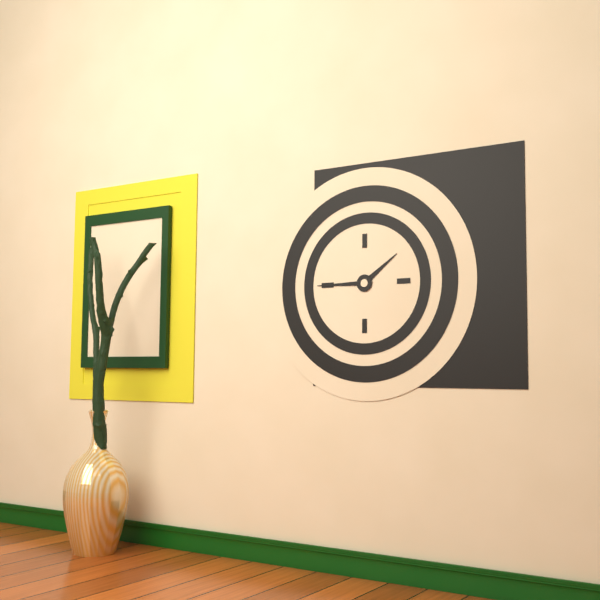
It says 1:45
